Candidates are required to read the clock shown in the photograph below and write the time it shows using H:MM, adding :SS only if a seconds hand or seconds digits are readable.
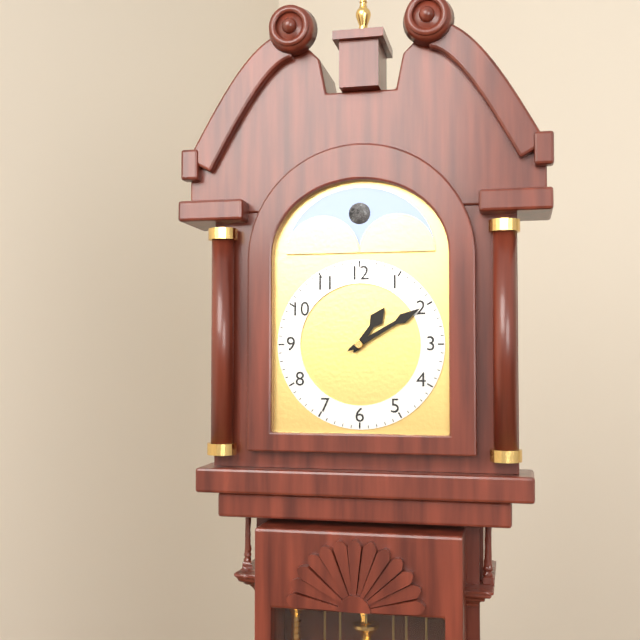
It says 1:10
